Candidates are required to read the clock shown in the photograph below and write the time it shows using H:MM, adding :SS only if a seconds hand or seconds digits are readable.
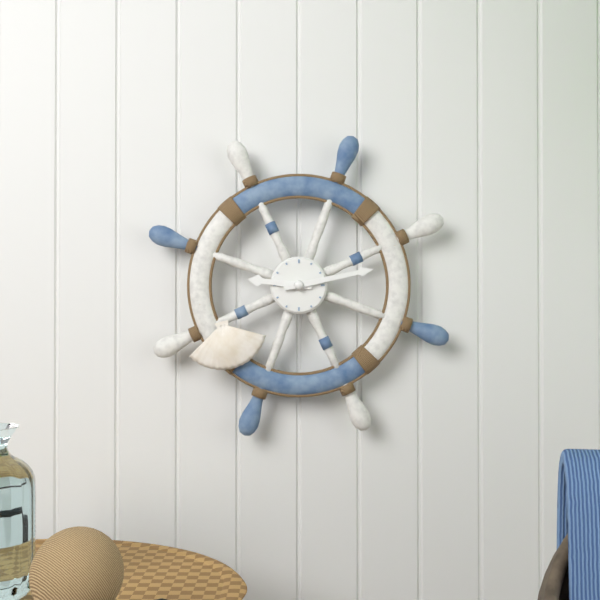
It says 9:13
